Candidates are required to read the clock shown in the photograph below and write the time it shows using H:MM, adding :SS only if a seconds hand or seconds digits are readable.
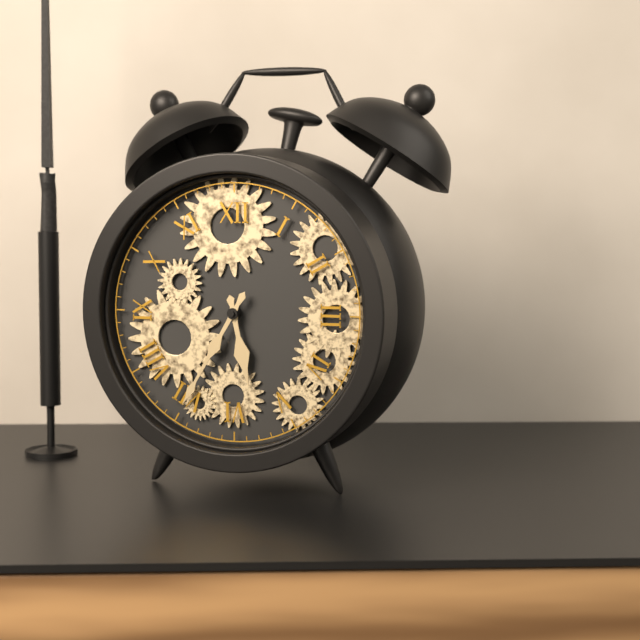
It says 5:35
